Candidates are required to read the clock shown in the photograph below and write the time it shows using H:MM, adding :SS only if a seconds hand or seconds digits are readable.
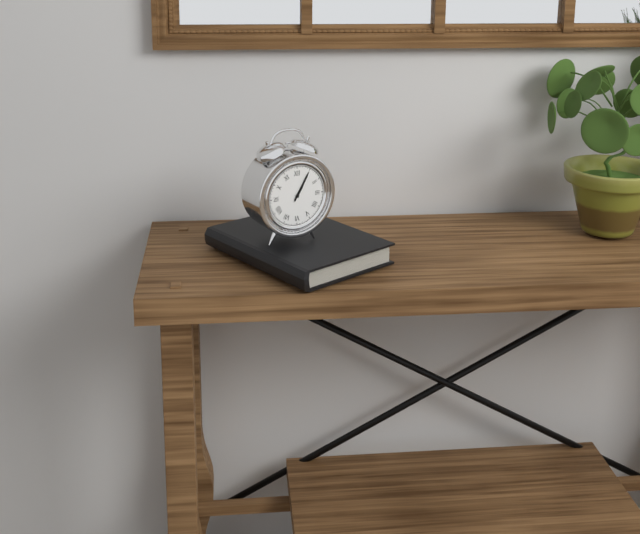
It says 1:05
